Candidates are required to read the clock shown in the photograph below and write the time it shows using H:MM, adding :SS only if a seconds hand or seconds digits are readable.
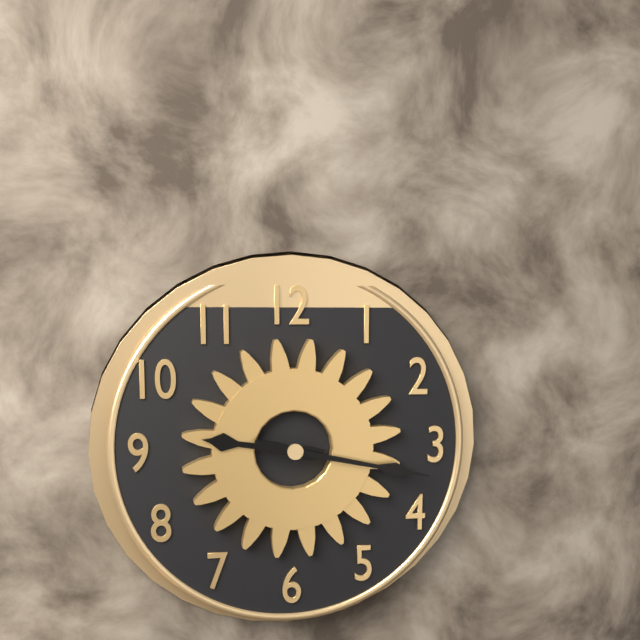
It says 9:17
